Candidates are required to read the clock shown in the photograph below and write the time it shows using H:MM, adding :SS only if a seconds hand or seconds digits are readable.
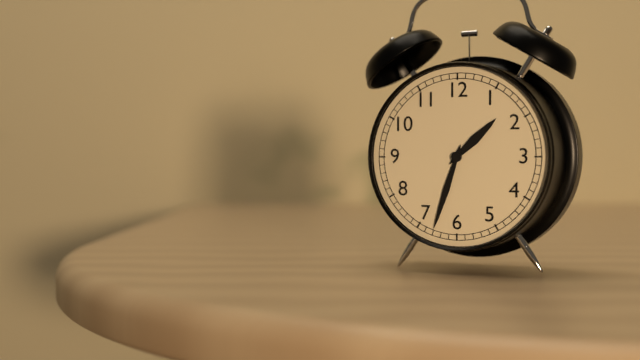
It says 1:33
